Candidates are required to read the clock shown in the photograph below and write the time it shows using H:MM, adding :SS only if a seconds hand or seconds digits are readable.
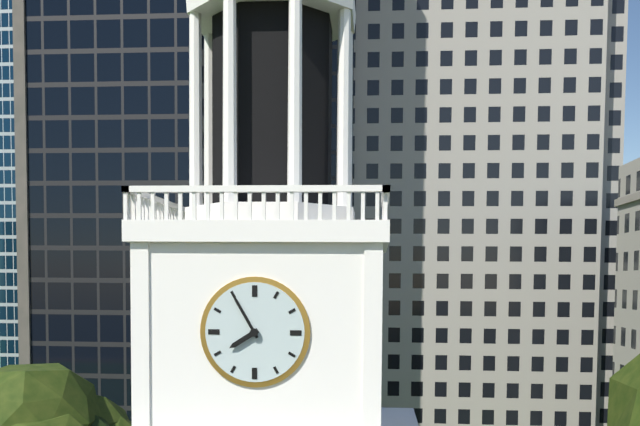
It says 7:55
